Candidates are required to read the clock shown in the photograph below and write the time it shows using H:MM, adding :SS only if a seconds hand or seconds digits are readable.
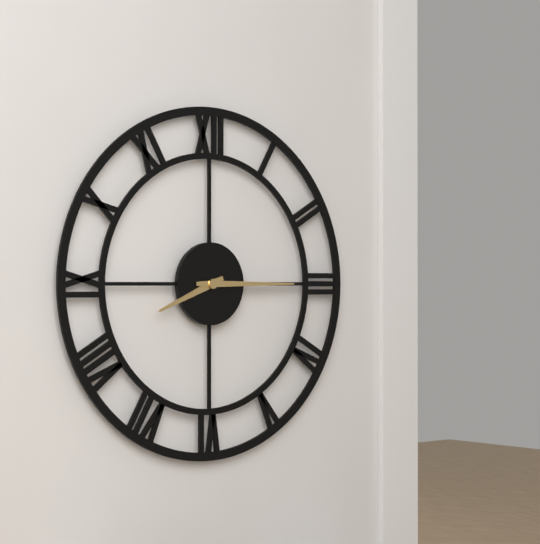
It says 8:15
